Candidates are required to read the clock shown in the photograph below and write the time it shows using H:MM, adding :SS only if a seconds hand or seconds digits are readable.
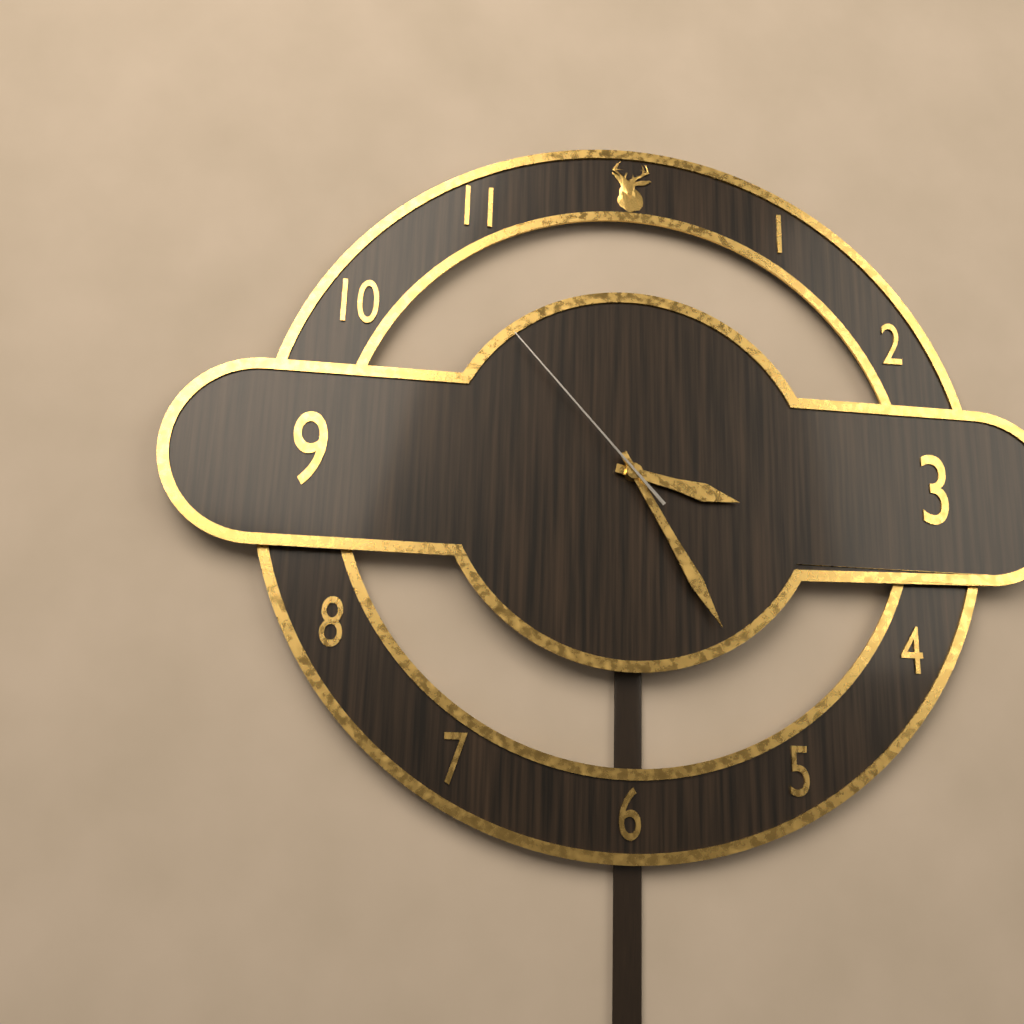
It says 3:25:53
